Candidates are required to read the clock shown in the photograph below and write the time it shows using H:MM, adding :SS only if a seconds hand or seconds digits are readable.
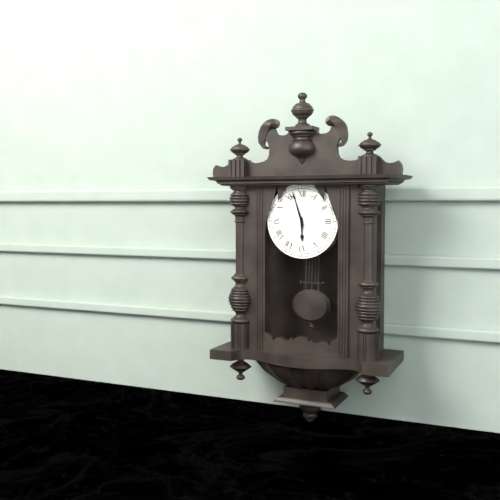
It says 5:57
